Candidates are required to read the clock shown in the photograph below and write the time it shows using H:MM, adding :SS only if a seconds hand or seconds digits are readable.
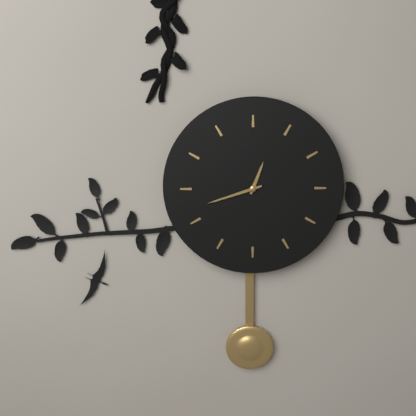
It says 12:42
